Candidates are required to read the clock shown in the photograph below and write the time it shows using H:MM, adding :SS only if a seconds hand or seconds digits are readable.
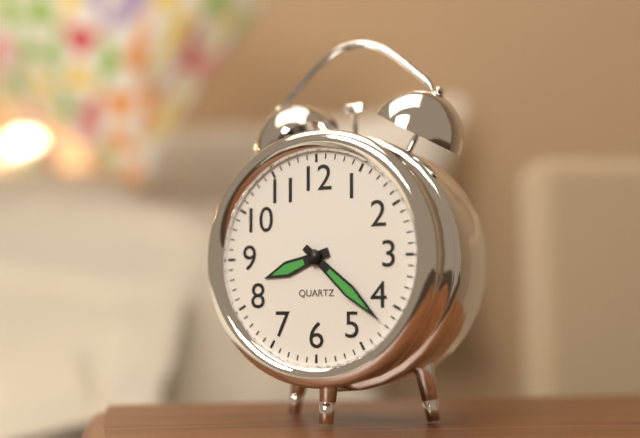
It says 8:22
